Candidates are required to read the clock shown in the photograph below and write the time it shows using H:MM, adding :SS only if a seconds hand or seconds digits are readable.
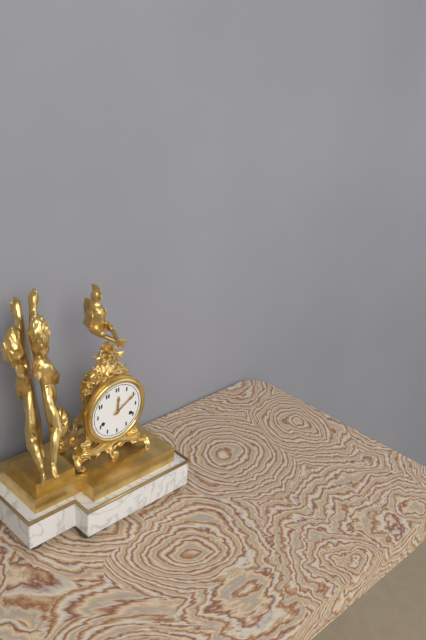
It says 12:10
